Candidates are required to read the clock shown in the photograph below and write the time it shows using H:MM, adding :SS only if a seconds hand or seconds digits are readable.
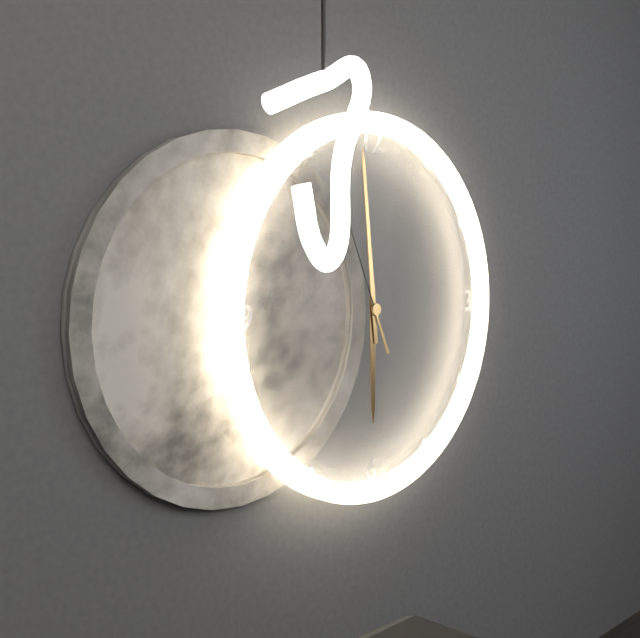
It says 5:59
